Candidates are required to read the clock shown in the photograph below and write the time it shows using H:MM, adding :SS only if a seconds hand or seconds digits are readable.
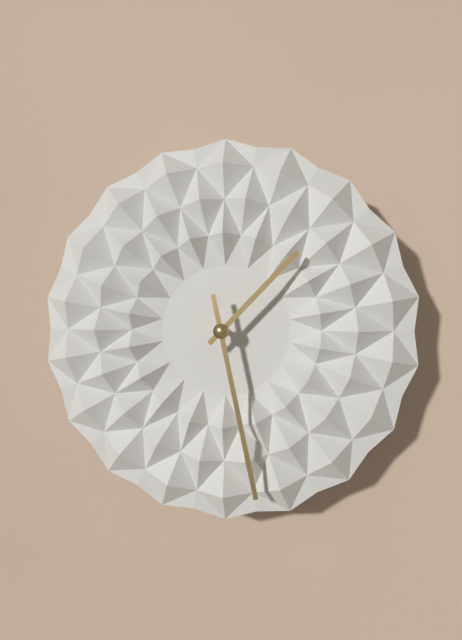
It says 1:28
